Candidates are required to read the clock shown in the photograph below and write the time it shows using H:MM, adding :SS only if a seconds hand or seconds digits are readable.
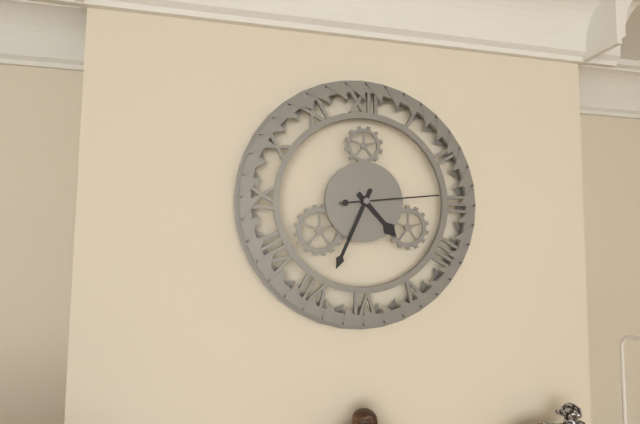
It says 4:34:14
